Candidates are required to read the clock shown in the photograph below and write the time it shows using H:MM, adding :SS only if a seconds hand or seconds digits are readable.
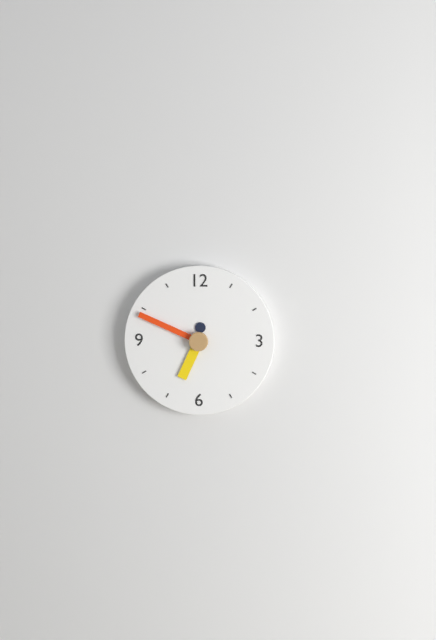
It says 6:49
